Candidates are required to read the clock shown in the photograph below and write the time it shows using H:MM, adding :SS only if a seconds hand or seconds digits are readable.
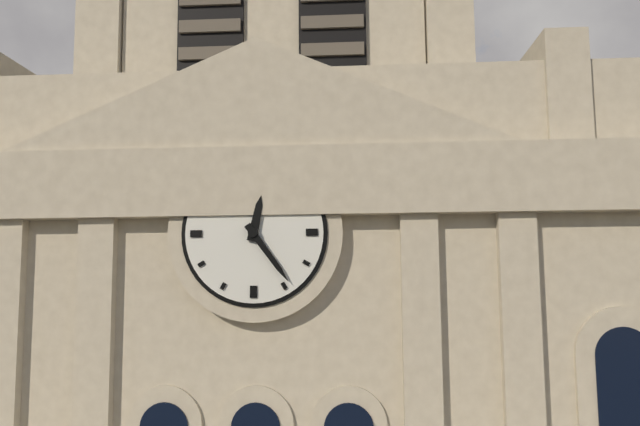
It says 12:24
